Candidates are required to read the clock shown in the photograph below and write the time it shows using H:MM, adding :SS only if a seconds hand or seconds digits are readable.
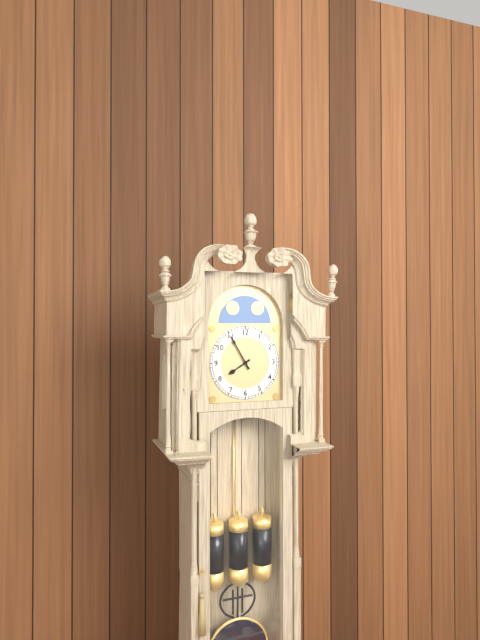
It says 7:55
